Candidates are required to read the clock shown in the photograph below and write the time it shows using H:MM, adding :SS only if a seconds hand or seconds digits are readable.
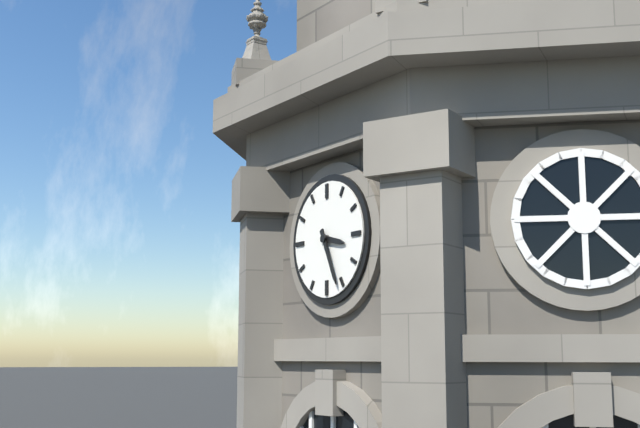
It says 3:26
